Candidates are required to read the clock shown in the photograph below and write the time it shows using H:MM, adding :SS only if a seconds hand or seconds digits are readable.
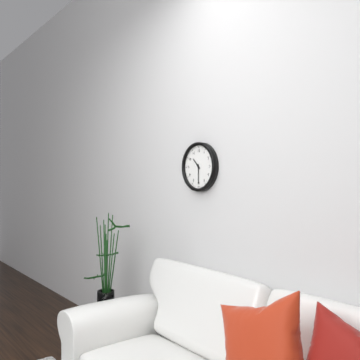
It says 10:30
